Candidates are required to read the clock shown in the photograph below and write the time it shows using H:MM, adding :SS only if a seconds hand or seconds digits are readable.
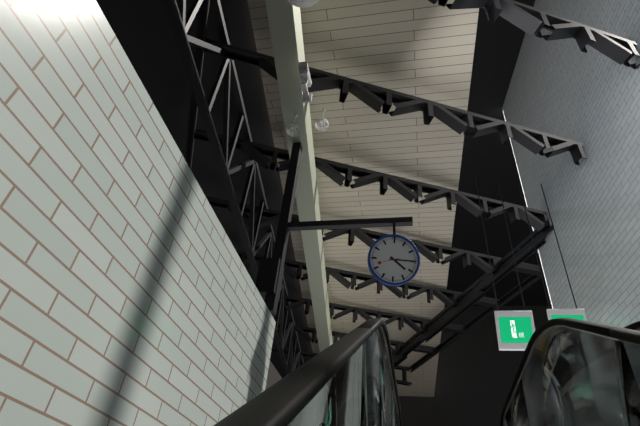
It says 4:15
